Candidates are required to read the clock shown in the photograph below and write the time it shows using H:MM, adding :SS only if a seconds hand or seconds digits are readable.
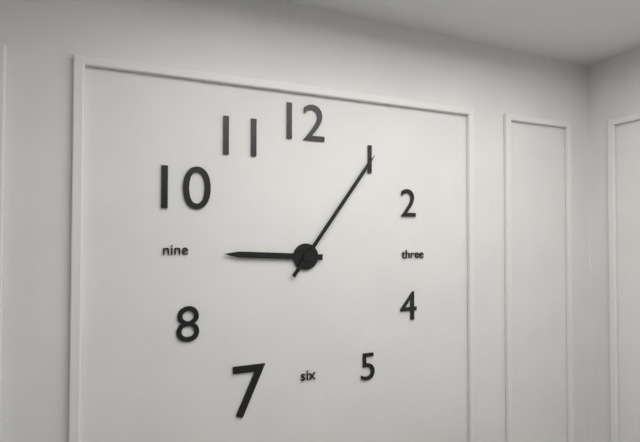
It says 9:06
